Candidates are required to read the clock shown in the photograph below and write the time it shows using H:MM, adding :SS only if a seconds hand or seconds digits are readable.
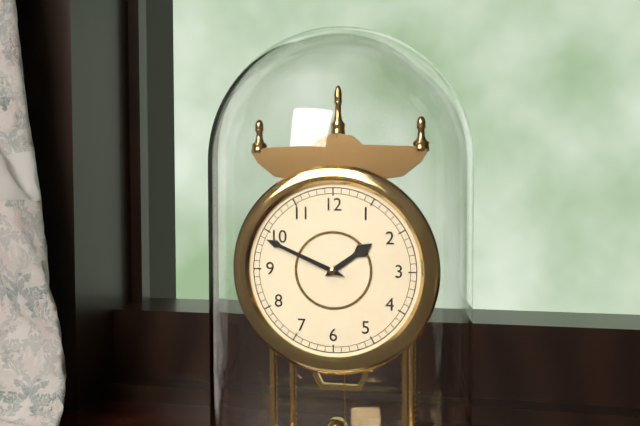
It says 1:49
